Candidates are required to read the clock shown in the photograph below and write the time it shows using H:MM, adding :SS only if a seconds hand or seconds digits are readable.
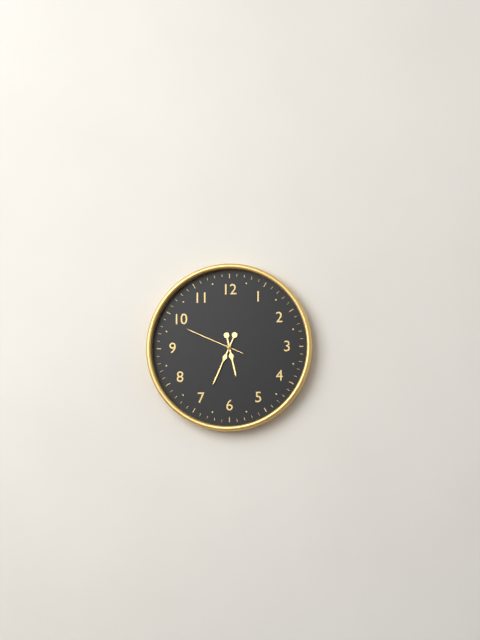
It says 5:34:49
